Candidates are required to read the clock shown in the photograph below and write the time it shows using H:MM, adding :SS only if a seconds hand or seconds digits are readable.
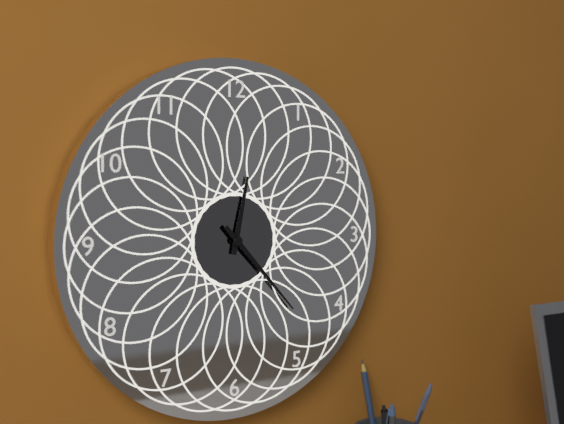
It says 12:23
